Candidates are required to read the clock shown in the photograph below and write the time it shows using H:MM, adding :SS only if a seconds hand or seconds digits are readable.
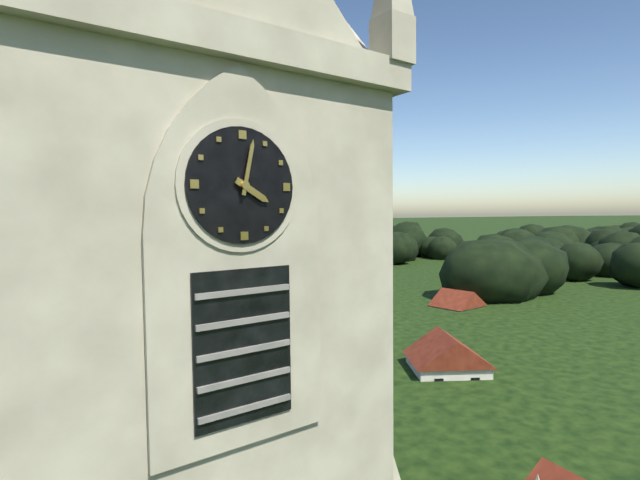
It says 4:02
